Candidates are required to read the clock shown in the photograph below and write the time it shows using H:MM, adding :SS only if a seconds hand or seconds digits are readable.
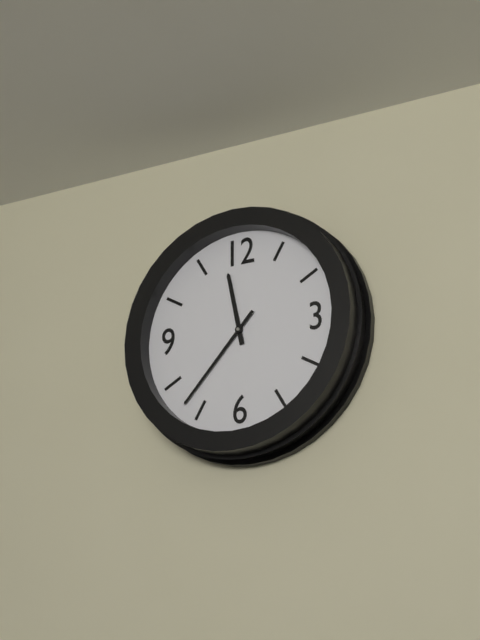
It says 11:37
